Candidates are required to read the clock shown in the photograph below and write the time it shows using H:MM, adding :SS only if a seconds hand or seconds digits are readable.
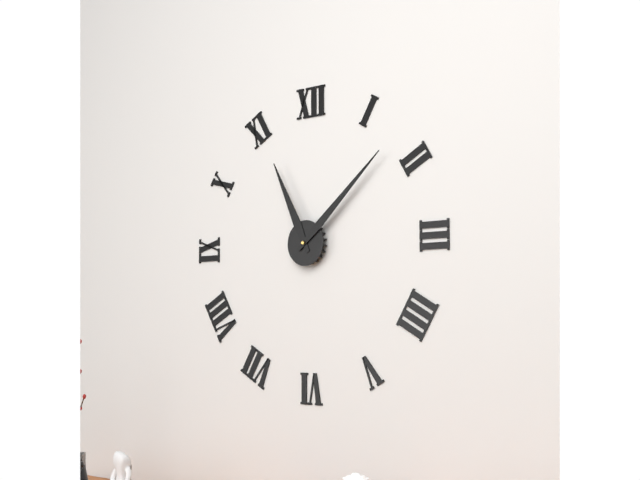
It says 11:08
